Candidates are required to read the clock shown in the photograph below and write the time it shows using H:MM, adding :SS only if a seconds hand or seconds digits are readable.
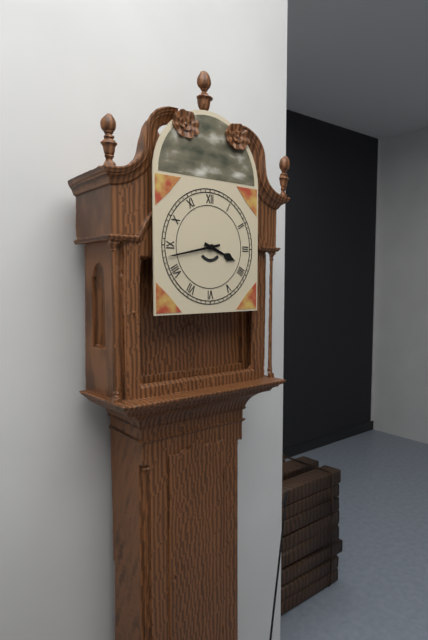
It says 3:43
